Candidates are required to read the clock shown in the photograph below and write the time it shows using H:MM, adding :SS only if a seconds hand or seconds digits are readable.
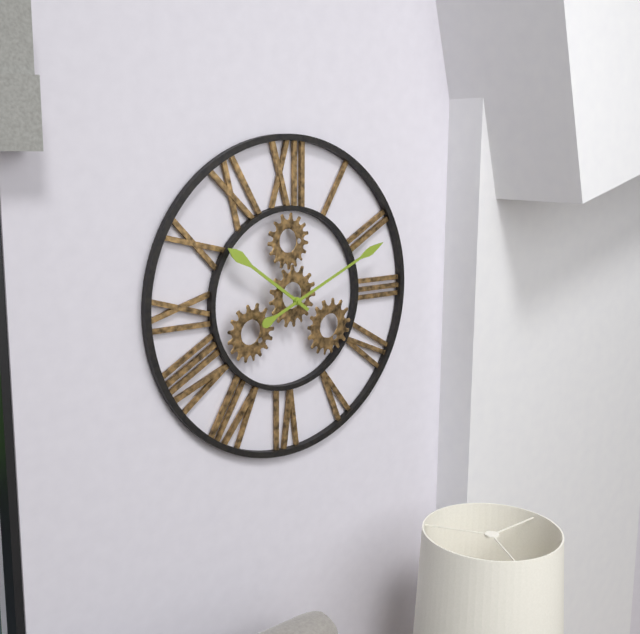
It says 10:11
